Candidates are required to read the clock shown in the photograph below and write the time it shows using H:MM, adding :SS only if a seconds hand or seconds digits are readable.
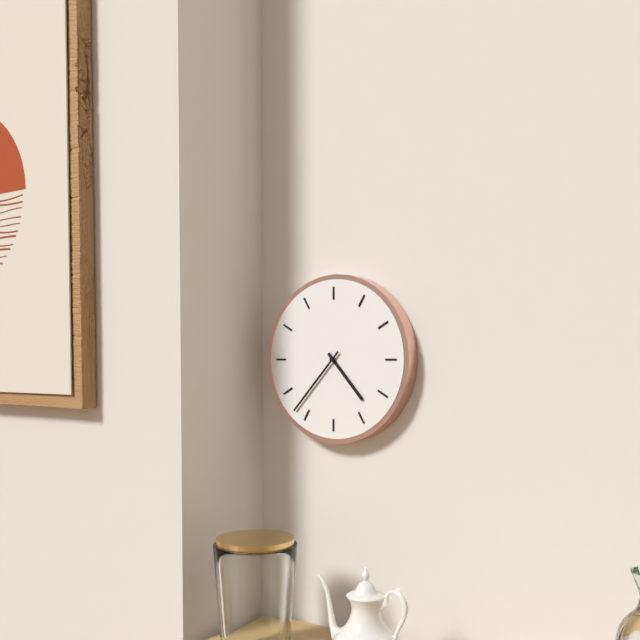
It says 4:37
